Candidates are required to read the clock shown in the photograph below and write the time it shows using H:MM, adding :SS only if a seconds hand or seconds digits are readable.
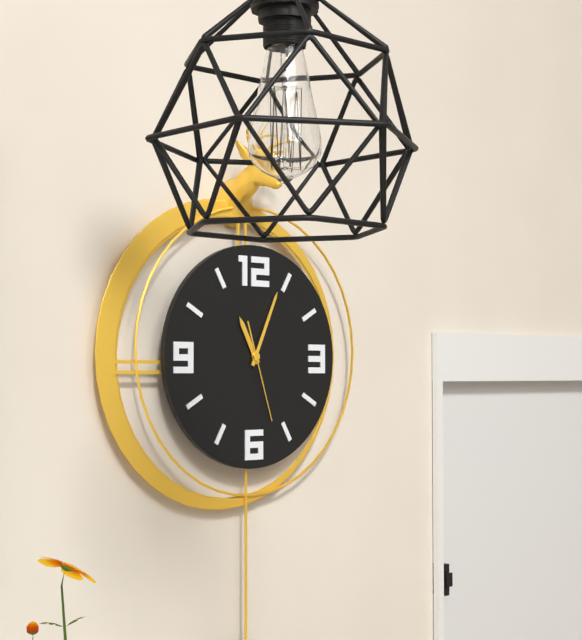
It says 11:04:27
